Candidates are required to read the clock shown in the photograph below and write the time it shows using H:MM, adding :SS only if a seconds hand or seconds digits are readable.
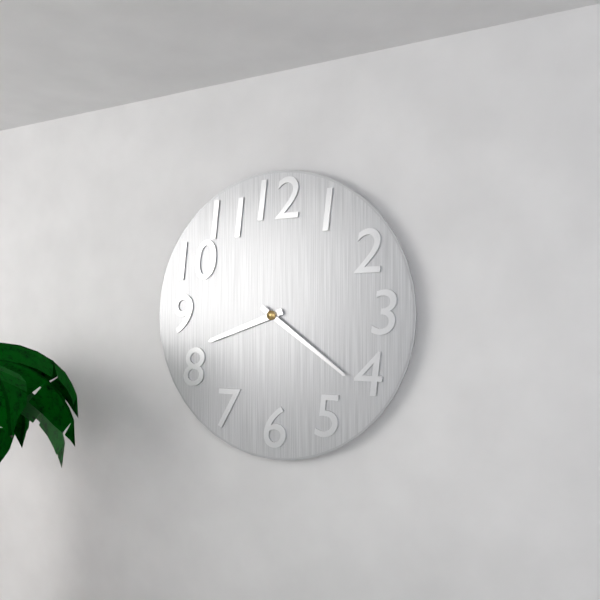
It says 8:21
